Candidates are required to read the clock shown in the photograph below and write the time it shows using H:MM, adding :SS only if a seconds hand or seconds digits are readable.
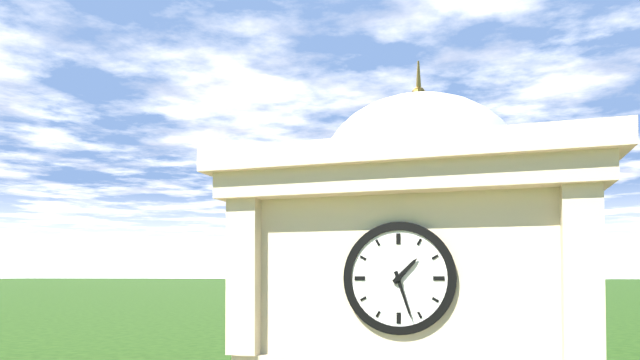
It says 1:27
